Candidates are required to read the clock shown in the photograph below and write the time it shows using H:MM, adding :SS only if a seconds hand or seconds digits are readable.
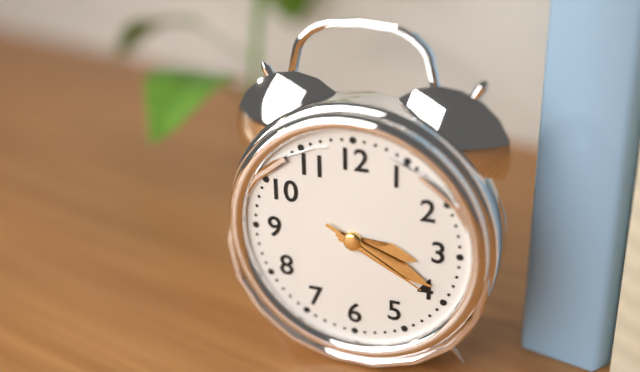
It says 3:19:20
